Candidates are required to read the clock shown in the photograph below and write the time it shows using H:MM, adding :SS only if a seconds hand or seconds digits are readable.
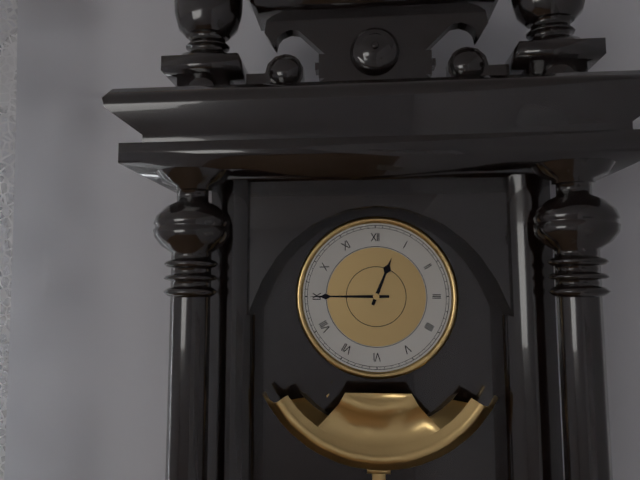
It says 12:45
